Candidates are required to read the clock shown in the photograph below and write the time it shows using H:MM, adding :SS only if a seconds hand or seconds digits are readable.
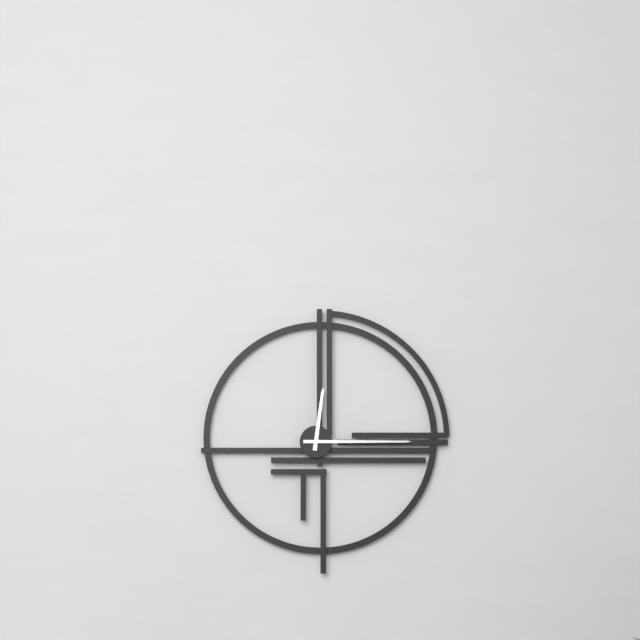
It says 12:15
